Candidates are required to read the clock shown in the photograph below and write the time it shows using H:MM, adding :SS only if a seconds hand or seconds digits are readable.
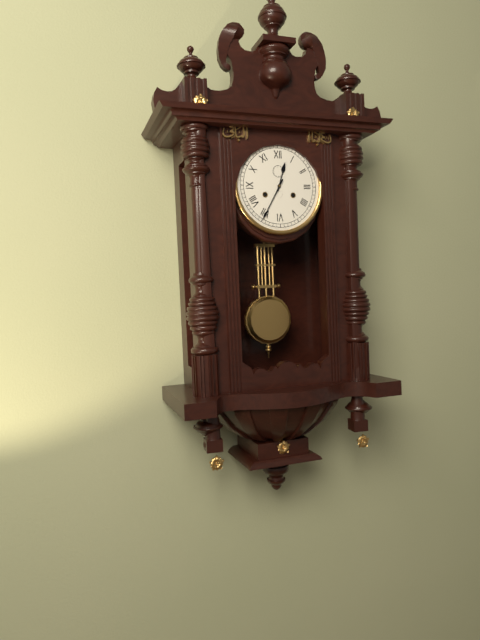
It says 12:35
